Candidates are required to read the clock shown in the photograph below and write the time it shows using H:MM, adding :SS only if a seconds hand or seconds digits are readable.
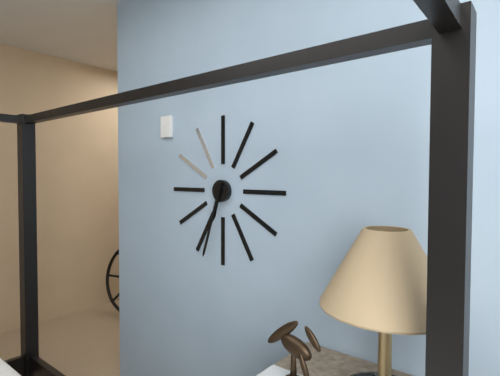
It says 6:33
